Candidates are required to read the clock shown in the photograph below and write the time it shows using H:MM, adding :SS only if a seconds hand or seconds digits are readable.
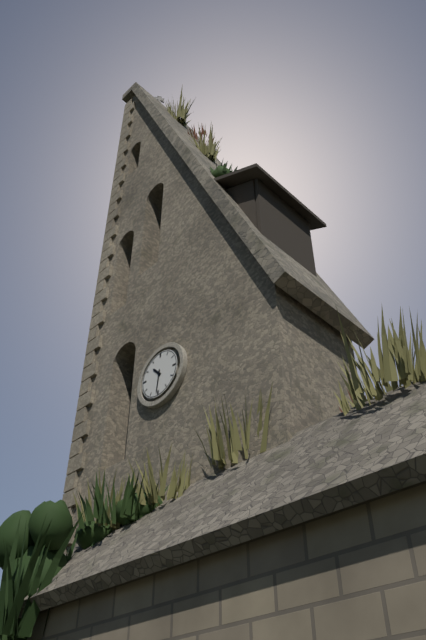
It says 10:31
